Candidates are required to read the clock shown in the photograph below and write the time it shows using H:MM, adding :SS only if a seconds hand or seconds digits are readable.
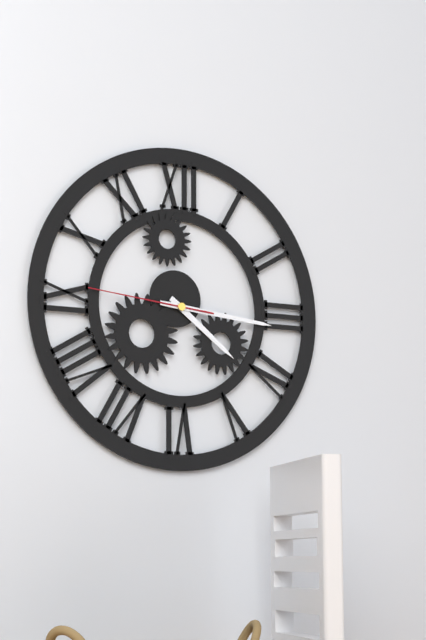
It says 4:16:46
